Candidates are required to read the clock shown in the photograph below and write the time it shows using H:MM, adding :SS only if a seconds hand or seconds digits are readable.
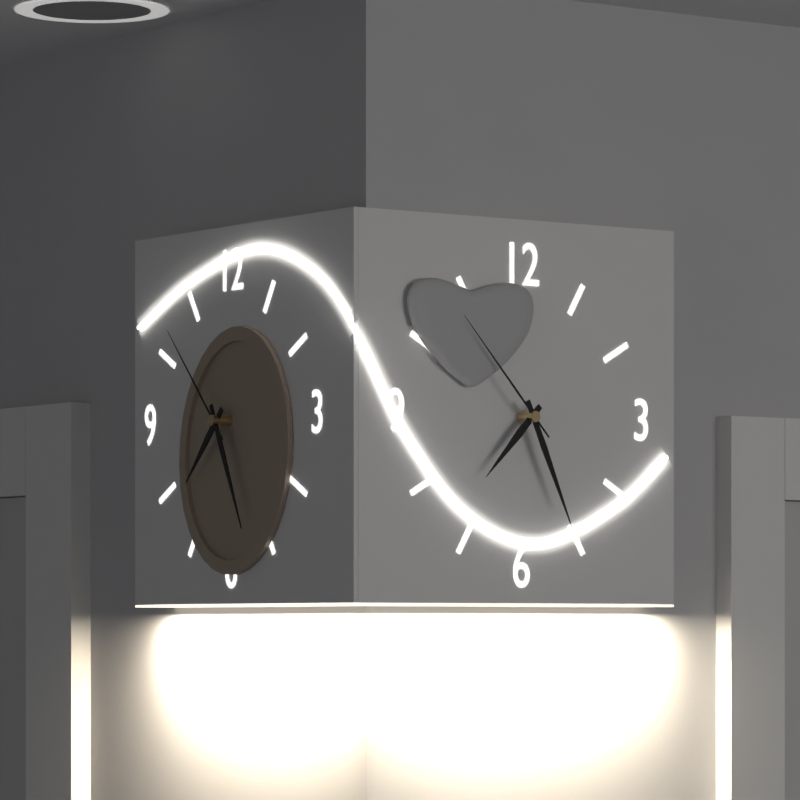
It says 7:26:53
